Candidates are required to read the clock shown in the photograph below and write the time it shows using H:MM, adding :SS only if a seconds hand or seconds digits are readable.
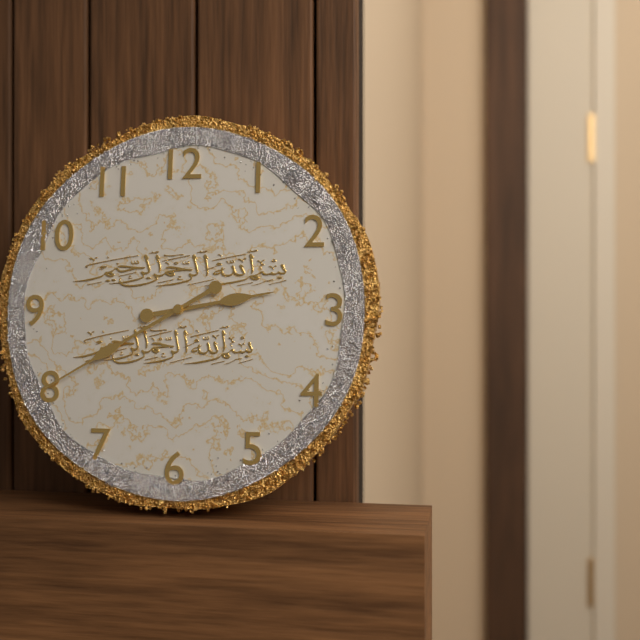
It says 2:40
